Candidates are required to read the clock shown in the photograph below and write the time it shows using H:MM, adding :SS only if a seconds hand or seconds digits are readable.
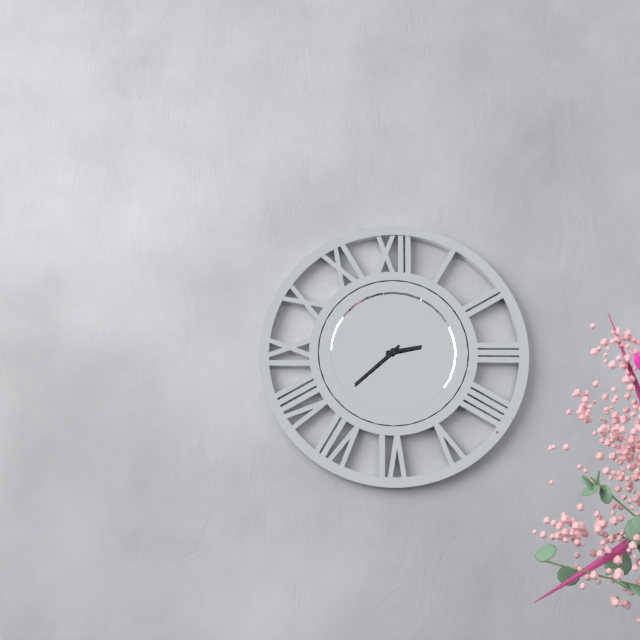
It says 2:38
